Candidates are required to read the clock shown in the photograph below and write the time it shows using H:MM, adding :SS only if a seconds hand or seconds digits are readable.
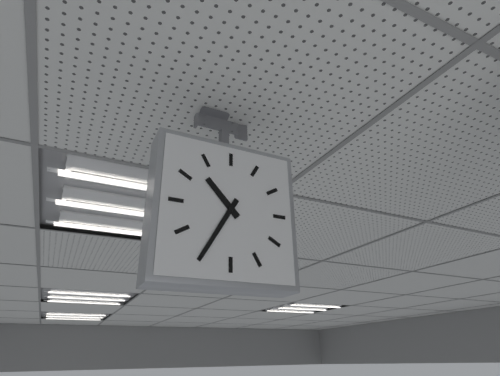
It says 10:35
